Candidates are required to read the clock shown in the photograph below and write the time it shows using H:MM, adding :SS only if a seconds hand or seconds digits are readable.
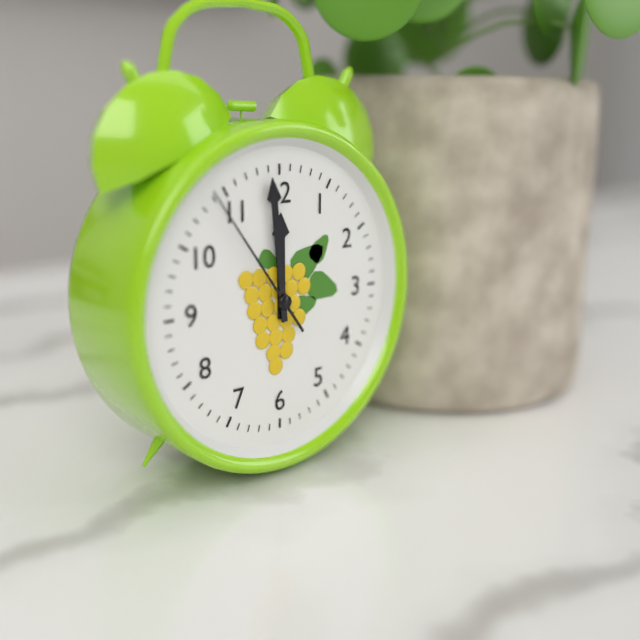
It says 11:59:54
